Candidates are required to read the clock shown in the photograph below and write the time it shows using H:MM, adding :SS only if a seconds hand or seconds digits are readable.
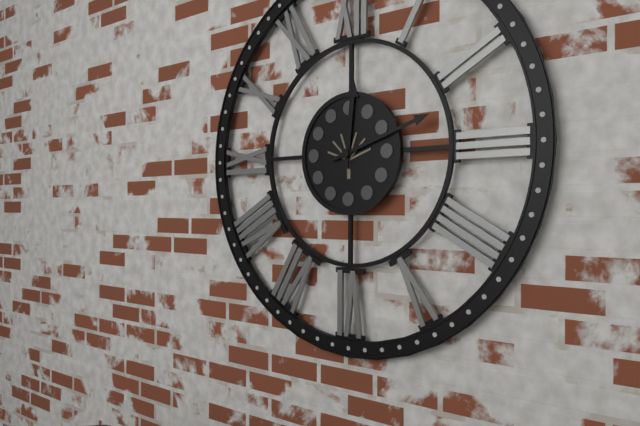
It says 12:12
